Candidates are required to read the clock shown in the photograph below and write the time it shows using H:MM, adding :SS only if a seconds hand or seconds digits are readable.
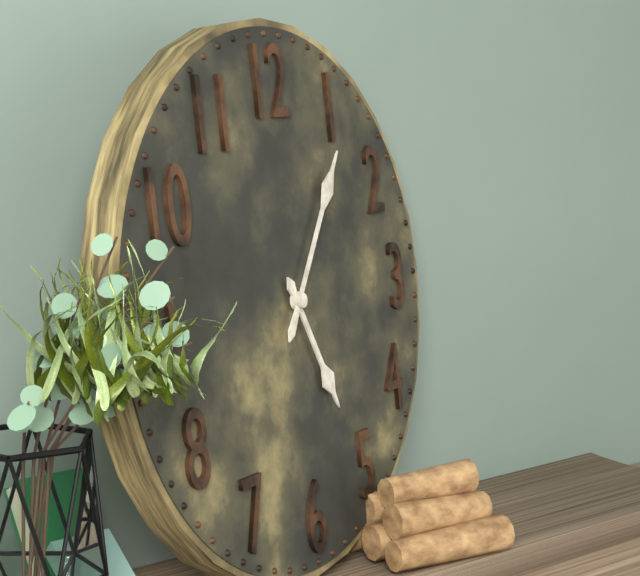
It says 5:06
